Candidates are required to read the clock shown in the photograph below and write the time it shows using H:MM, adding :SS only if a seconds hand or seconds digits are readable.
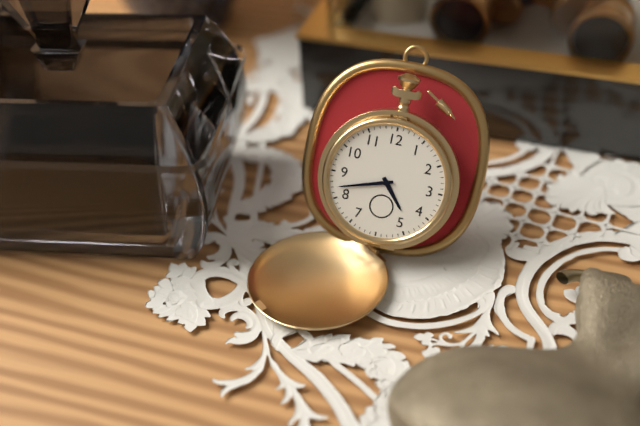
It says 4:42
